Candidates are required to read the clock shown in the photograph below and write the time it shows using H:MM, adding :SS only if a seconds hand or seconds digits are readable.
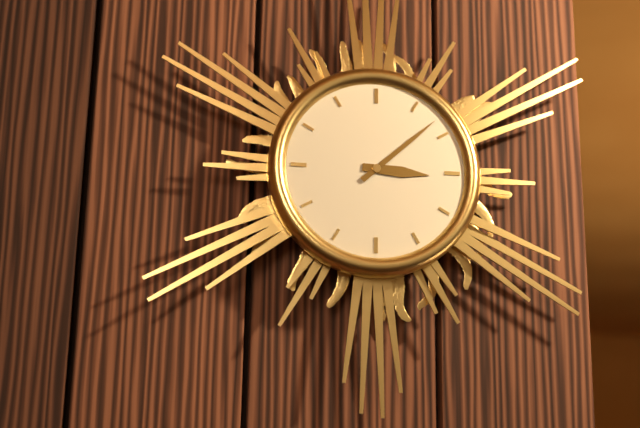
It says 3:08
